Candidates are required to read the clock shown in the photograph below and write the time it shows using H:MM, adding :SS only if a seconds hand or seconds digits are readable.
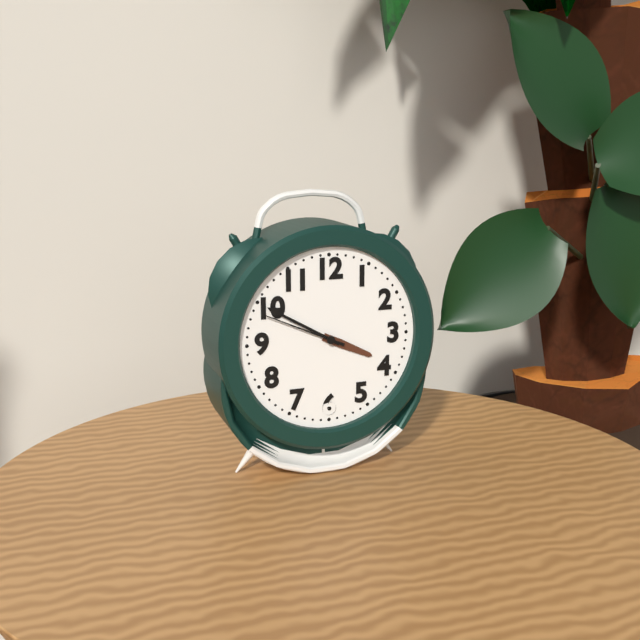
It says 3:50:49
